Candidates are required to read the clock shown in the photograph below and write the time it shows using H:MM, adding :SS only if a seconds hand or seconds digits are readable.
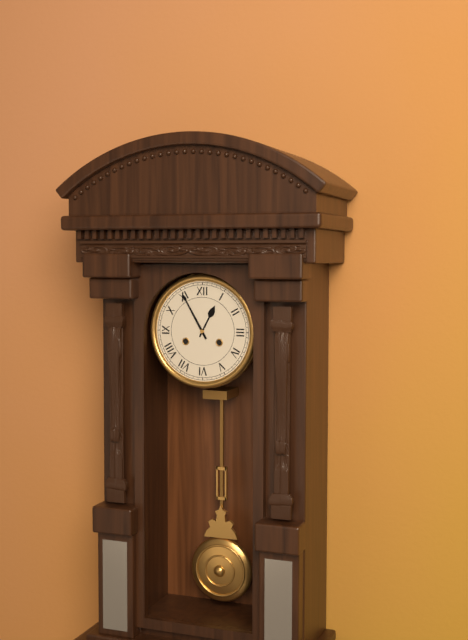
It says 12:55
